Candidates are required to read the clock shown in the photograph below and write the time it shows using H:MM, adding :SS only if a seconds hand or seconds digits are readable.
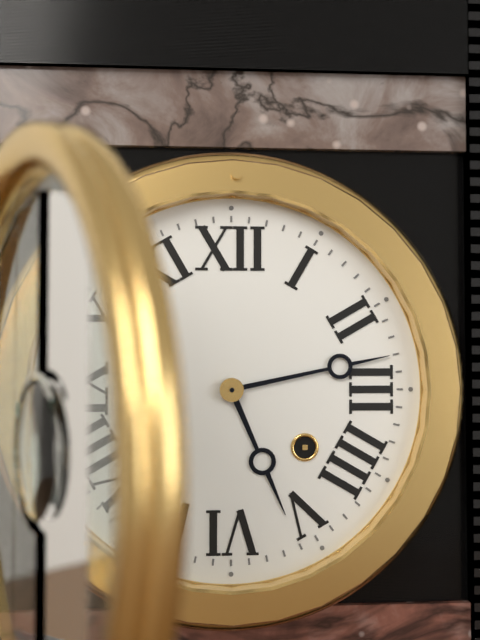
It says 5:13
